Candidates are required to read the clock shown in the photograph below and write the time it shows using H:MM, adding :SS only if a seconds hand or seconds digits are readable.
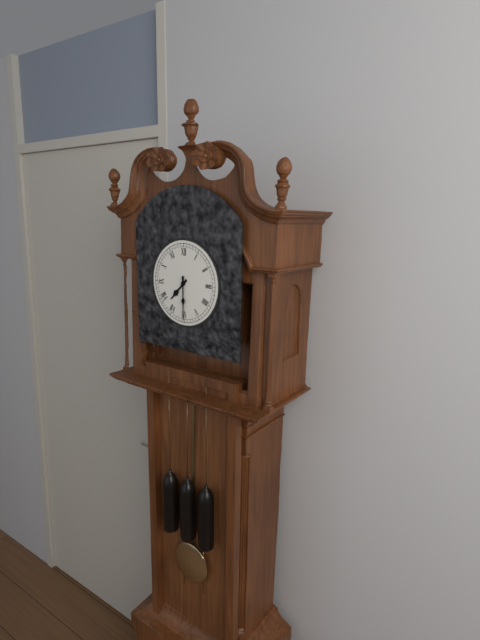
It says 7:30
